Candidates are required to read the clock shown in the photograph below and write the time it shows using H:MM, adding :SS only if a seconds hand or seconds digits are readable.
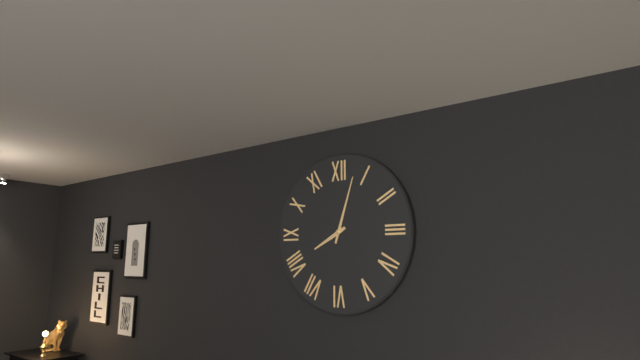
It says 8:03
